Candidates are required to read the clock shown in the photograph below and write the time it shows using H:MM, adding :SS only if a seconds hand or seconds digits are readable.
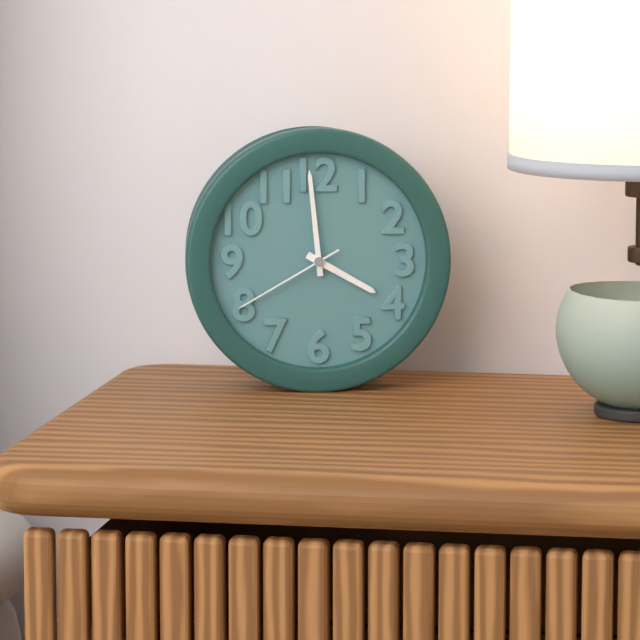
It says 3:59:40
